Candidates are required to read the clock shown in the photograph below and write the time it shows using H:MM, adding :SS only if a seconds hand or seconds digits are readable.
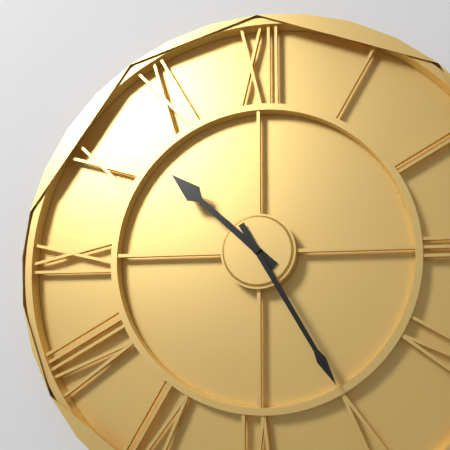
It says 10:25
